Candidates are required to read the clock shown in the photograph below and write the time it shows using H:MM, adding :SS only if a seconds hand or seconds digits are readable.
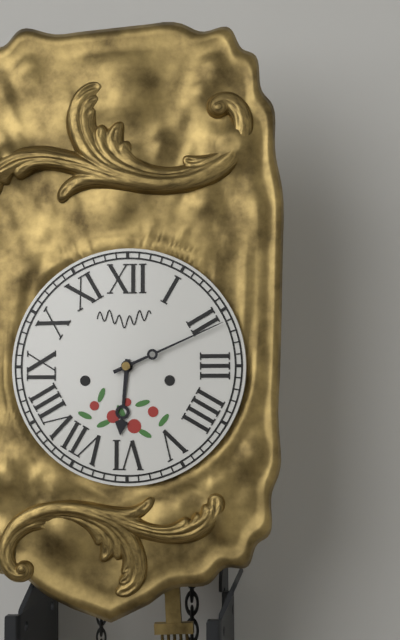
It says 6:11
